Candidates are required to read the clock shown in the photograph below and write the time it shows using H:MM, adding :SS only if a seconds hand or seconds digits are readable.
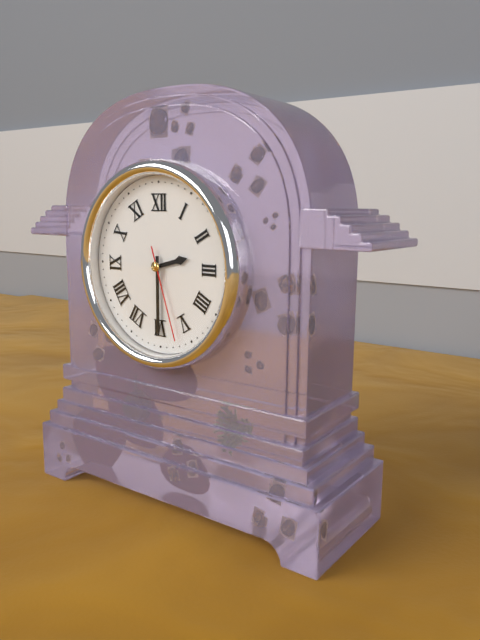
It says 2:30:27
